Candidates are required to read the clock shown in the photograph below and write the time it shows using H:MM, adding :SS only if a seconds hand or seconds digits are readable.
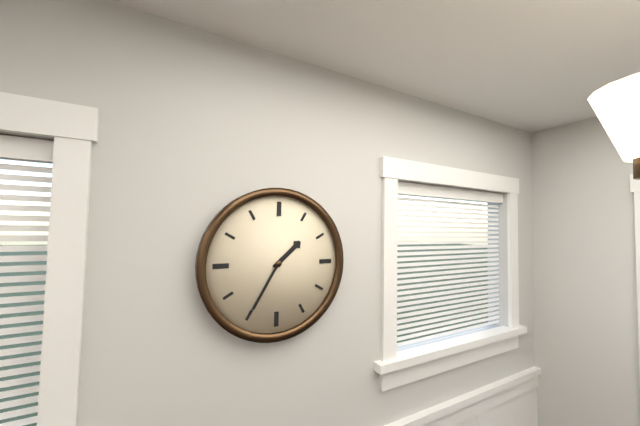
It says 1:35
